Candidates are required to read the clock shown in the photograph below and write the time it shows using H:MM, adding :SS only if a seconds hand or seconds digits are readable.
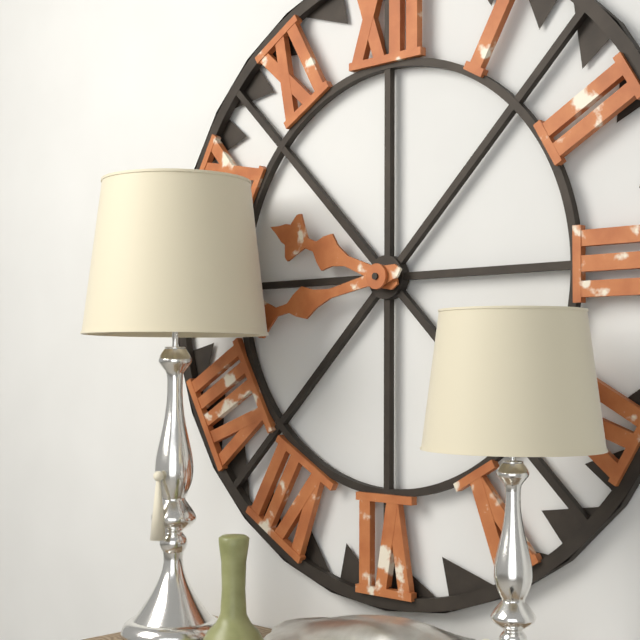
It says 9:43
